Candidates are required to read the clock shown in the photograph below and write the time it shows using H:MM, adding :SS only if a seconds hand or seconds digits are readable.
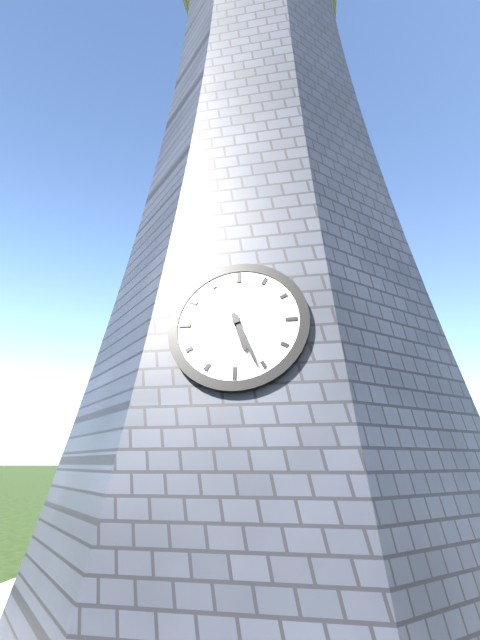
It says 5:26
